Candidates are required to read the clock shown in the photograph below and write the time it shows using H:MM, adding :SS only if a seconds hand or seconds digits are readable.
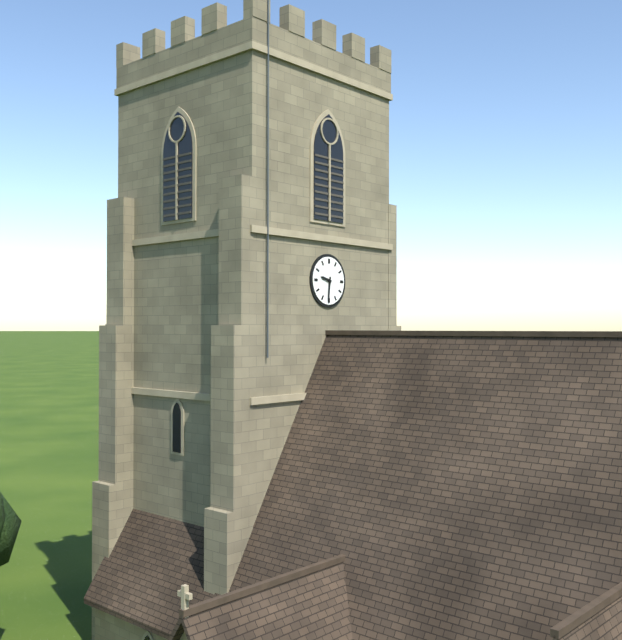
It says 9:31
